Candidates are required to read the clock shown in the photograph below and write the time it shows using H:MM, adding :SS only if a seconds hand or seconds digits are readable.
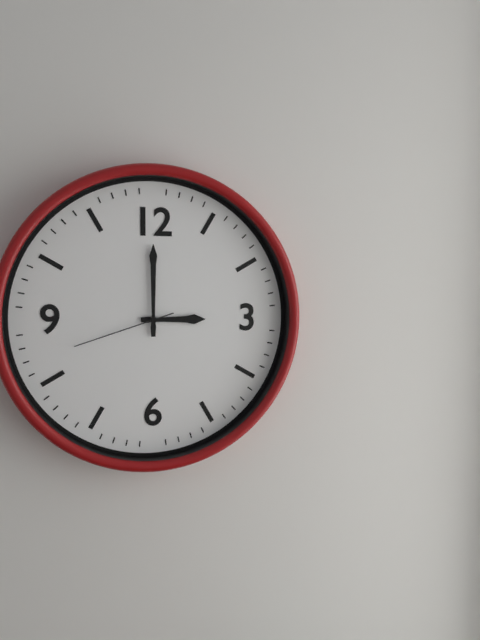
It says 3:00:42
